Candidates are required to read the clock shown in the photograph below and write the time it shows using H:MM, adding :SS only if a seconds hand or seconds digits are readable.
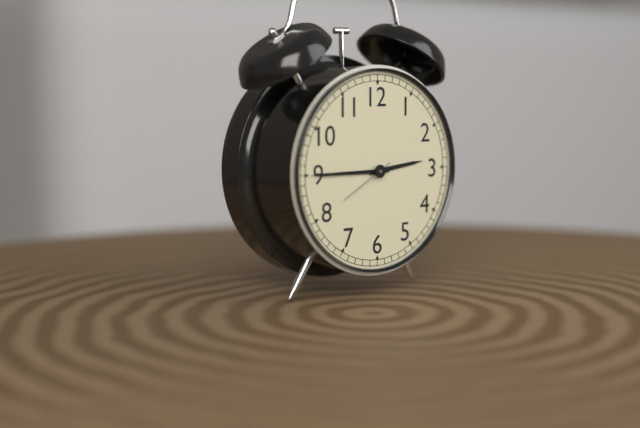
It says 2:45:40
